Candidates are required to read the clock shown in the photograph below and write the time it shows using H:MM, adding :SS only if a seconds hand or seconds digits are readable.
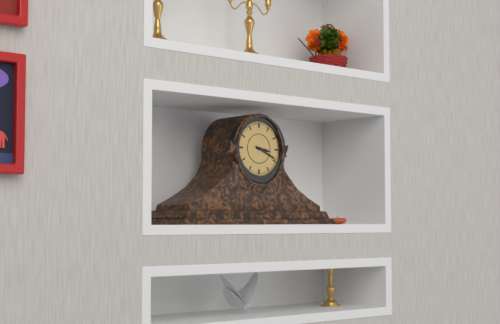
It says 3:19
